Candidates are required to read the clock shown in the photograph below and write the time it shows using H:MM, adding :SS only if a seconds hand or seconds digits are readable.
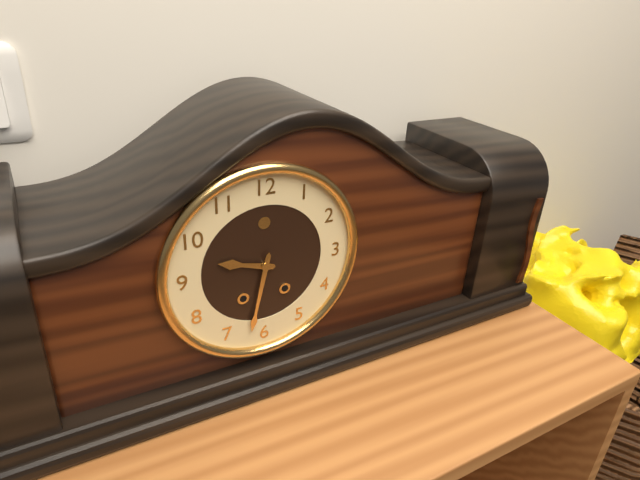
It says 9:32
